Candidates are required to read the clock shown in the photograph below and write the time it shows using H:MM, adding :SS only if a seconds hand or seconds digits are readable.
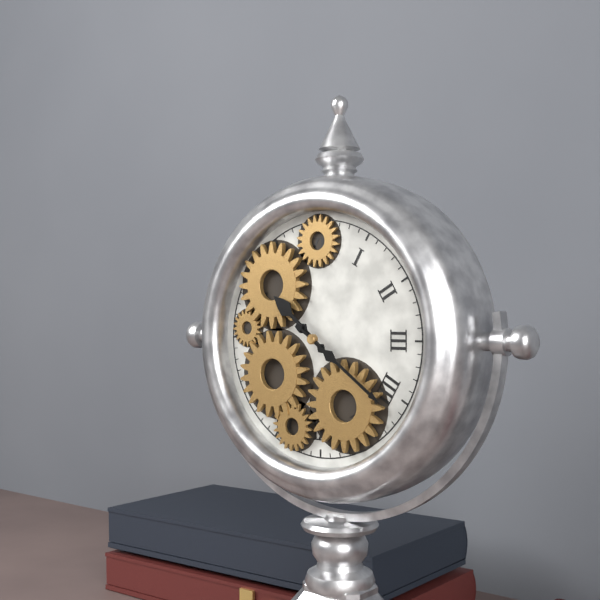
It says 10:21
